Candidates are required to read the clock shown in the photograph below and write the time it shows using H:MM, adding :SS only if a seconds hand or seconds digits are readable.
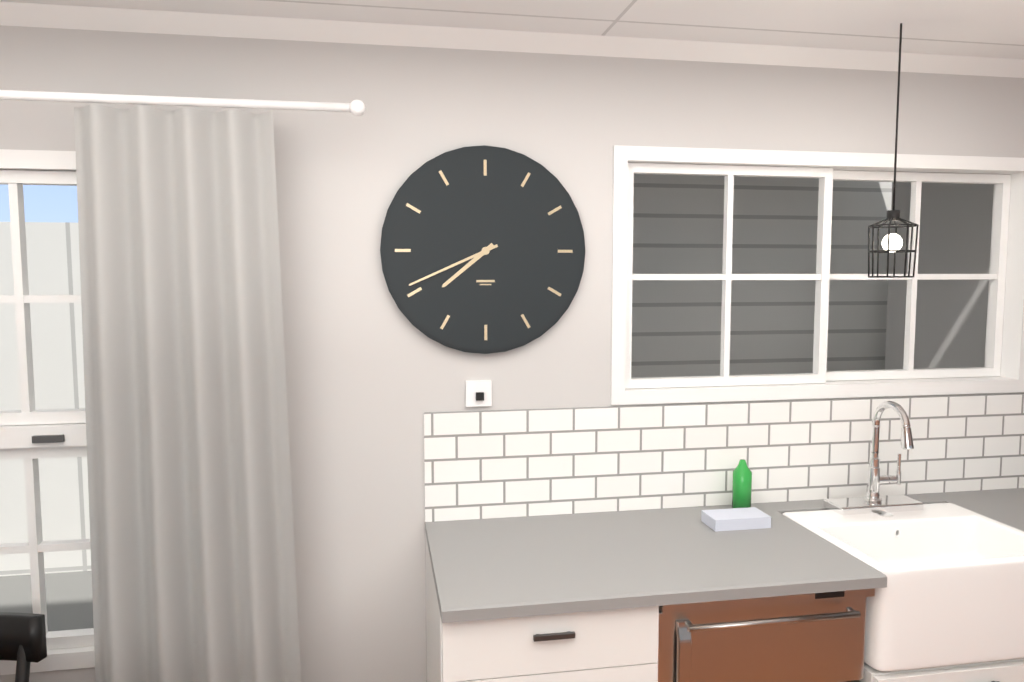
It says 7:41
